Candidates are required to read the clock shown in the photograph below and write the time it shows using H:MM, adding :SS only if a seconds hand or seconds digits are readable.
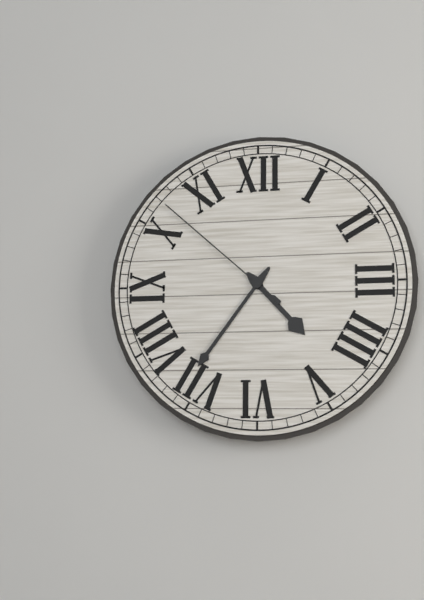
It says 4:36:52
